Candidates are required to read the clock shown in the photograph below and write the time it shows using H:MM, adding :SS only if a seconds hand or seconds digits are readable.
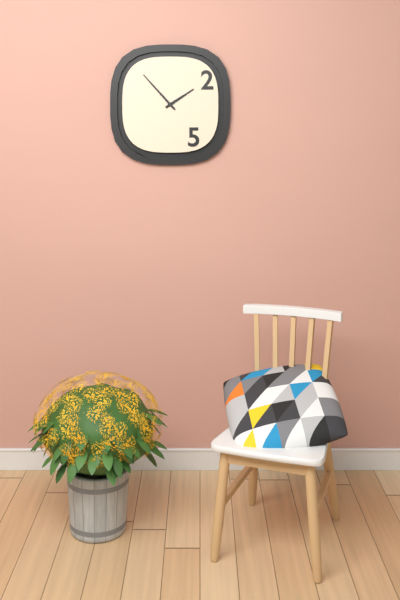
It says 1:53
